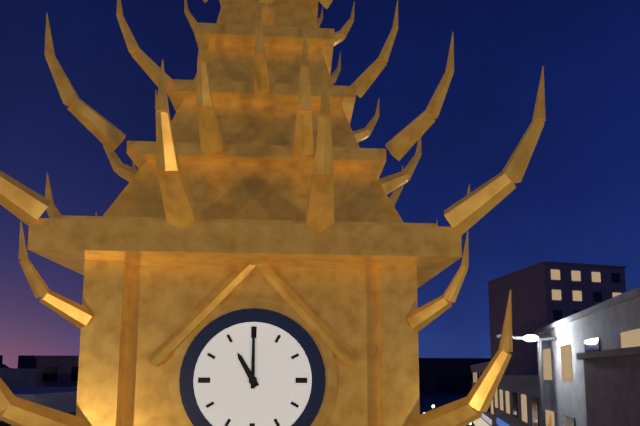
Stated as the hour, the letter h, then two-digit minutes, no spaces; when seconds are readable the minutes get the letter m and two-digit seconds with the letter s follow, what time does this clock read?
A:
11h00
